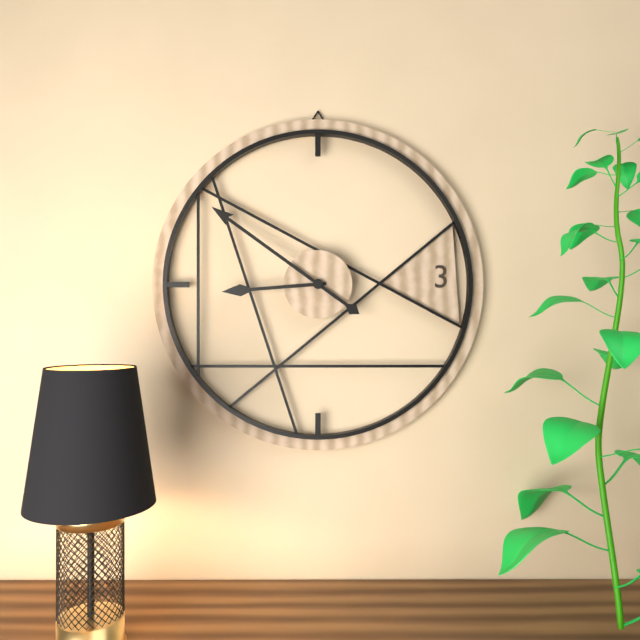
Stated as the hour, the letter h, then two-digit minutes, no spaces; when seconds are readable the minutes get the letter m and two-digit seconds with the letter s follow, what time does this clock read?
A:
8h51
